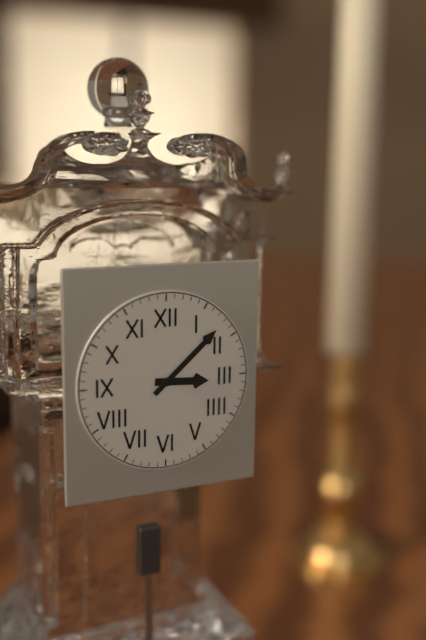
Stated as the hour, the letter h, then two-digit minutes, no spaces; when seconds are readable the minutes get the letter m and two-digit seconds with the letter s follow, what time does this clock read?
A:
3h08
